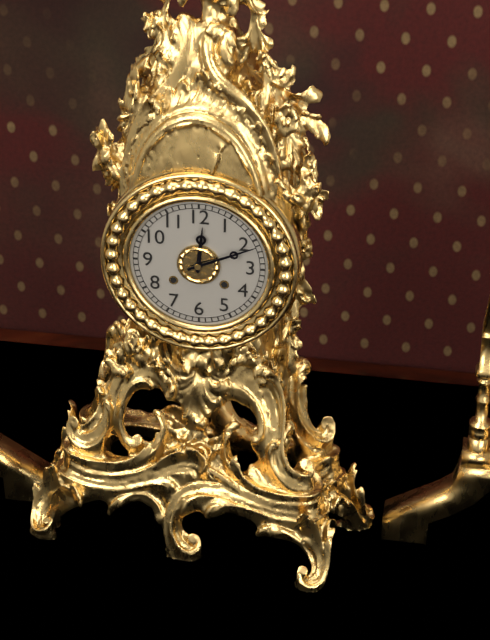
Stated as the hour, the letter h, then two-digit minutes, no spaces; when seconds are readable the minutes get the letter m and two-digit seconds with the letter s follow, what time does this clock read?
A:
12h11
